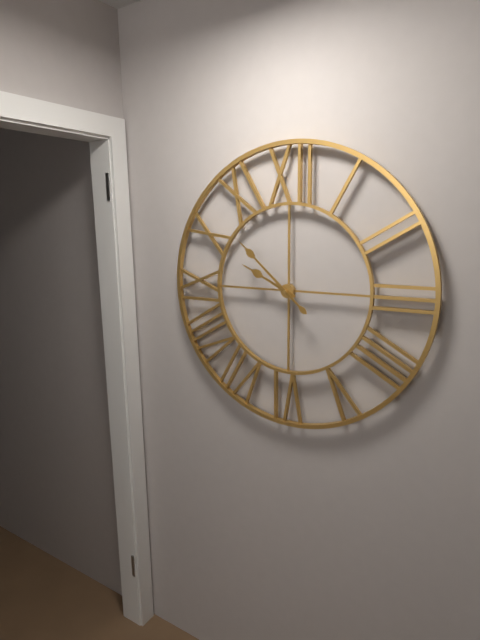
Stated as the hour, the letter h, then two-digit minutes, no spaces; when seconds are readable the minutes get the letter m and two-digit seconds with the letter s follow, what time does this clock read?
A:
9h52
